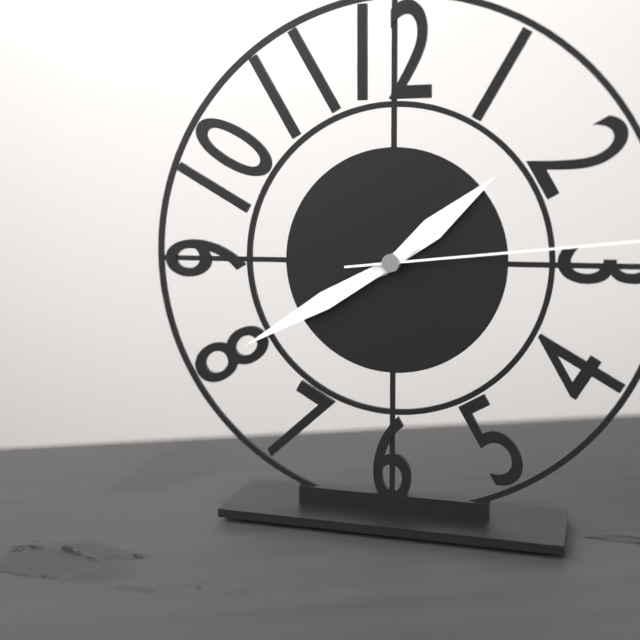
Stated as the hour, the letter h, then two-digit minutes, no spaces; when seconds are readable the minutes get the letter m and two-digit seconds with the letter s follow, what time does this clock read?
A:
1h40
